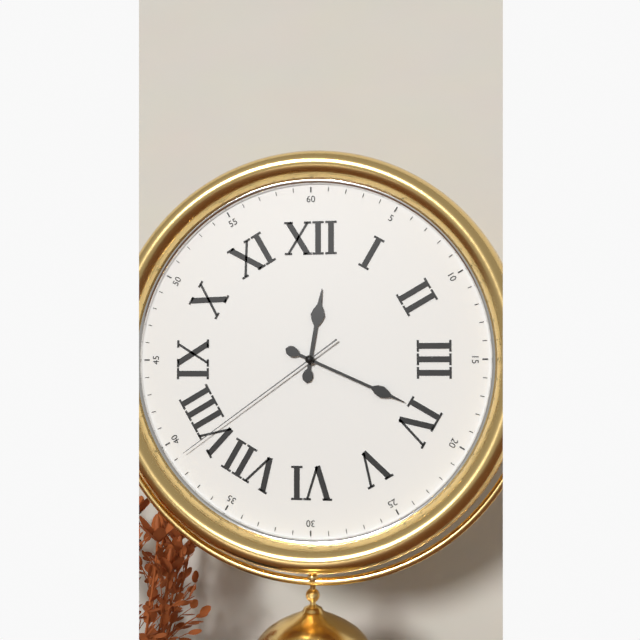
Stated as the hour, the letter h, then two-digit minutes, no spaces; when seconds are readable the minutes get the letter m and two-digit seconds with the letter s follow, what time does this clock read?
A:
12h19m39s
